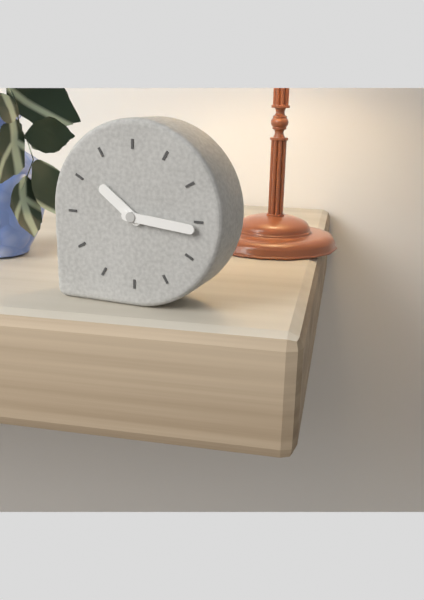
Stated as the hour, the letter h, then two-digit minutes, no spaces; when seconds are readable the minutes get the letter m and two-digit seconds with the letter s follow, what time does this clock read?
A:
10h16
